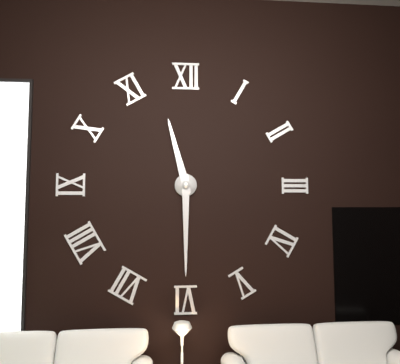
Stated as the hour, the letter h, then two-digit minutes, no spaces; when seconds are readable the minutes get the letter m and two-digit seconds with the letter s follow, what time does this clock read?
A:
11h30
